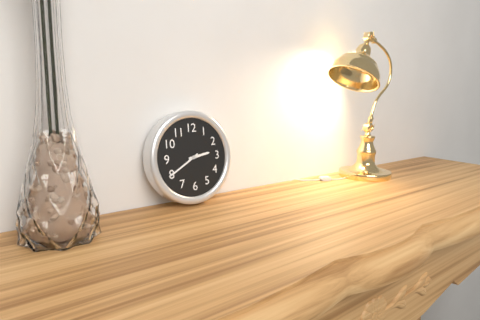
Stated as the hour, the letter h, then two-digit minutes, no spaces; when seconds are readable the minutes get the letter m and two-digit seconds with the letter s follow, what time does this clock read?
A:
2h40
